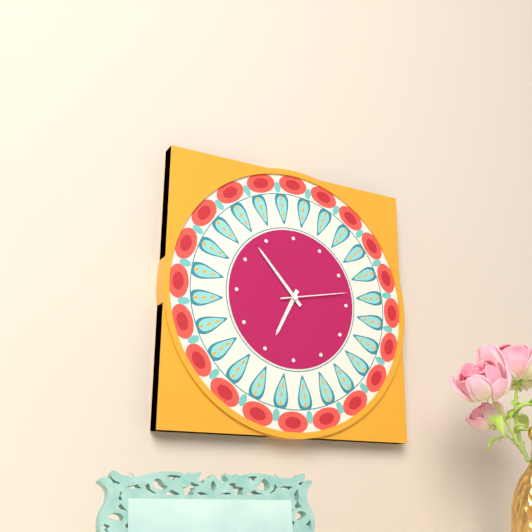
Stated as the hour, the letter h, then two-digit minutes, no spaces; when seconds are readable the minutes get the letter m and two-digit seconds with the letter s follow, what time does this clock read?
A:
6h53m13s
